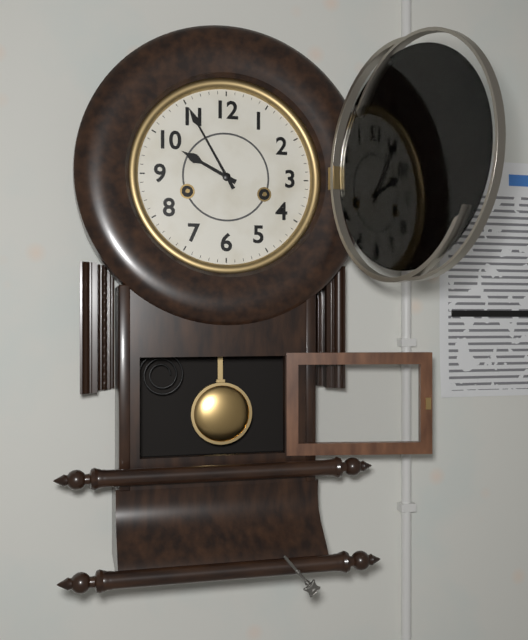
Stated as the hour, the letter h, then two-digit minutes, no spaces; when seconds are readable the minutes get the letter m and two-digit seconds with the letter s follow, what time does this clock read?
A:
9h55
